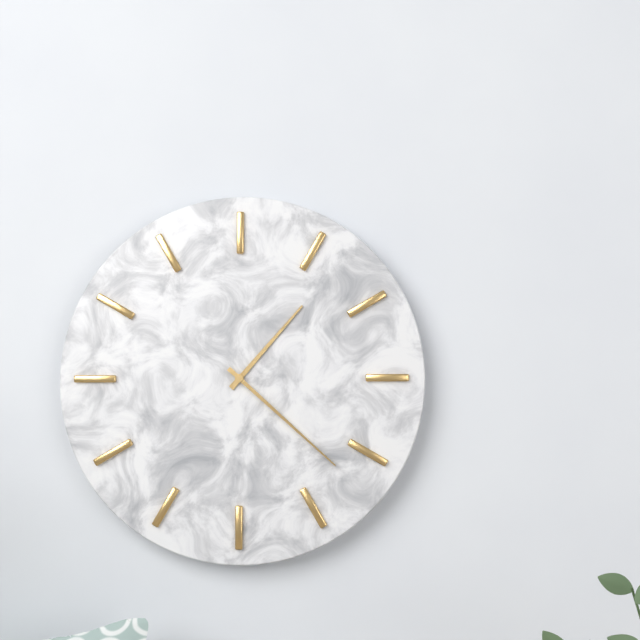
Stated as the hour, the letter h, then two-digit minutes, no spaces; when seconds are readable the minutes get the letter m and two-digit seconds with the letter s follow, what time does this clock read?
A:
1h22
